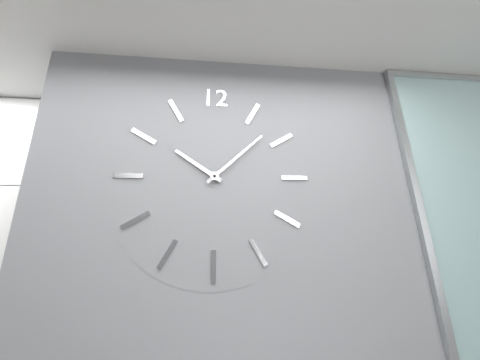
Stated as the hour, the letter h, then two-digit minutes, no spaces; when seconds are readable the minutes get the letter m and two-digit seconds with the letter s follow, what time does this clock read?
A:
10h08
